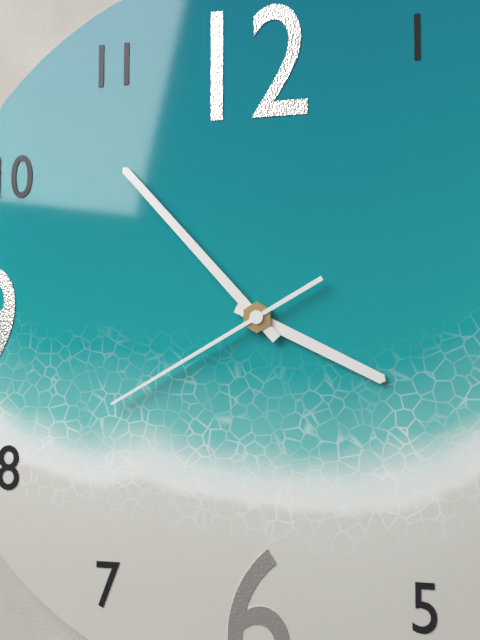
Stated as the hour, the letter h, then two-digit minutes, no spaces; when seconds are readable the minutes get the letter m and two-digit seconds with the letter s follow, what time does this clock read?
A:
3h53m40s
